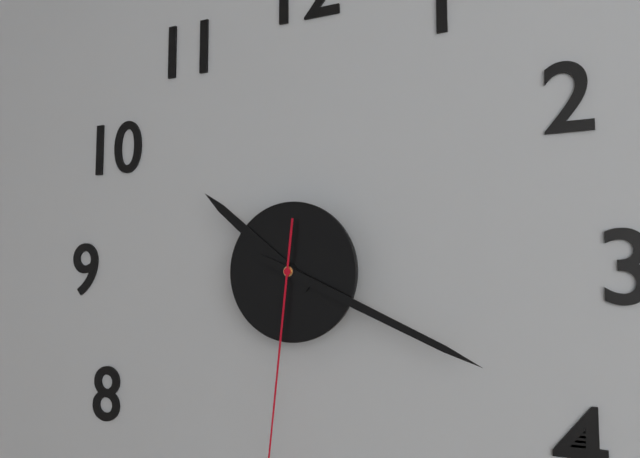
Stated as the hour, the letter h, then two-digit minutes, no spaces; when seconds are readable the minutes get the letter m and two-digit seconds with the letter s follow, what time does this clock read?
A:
10h19
